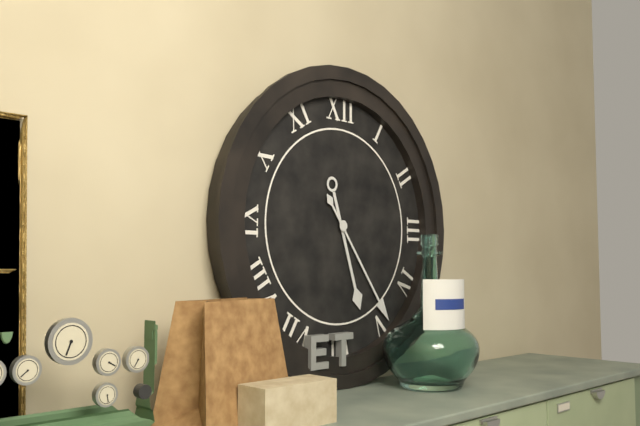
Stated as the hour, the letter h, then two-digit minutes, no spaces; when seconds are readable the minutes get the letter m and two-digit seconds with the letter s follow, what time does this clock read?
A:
5h24
